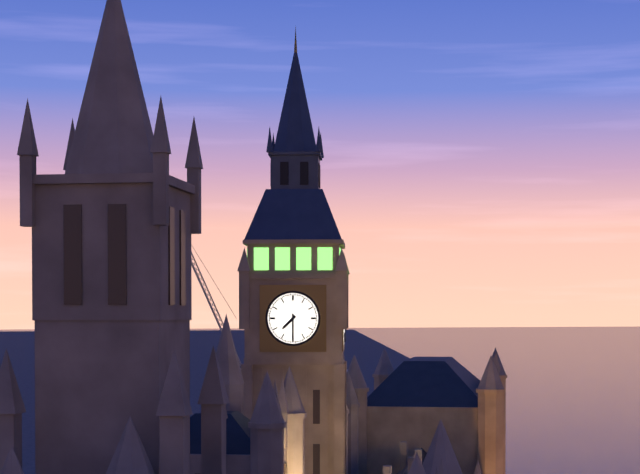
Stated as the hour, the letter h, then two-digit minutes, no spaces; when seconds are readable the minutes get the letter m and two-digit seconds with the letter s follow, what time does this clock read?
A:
7h30
